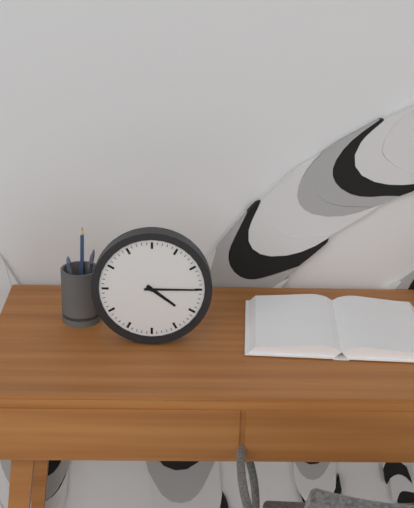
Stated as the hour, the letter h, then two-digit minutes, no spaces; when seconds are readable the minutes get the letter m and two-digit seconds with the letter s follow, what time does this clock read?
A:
4h15
